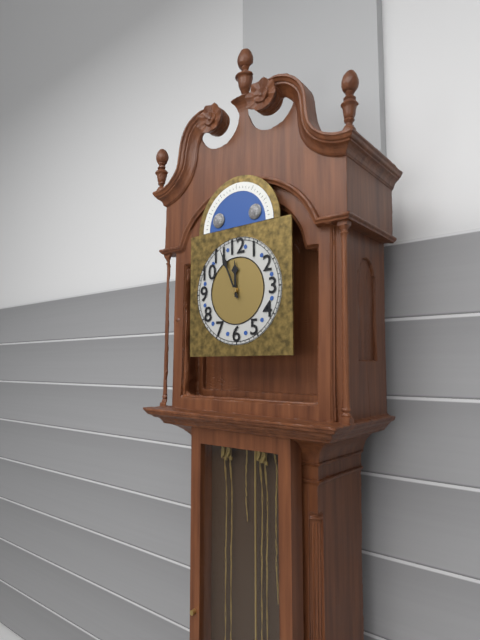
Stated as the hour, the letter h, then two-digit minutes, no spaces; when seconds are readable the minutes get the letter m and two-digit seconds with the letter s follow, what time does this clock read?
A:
11h56
